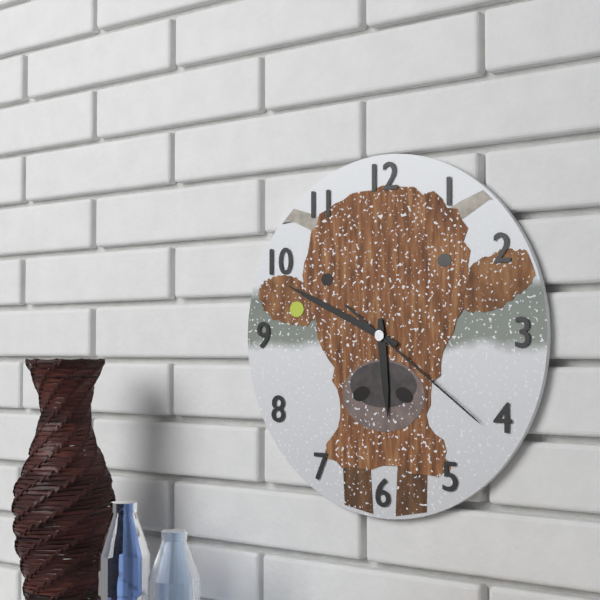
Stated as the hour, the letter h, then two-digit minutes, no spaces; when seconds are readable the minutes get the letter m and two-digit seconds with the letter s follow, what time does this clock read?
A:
5h49m21s
